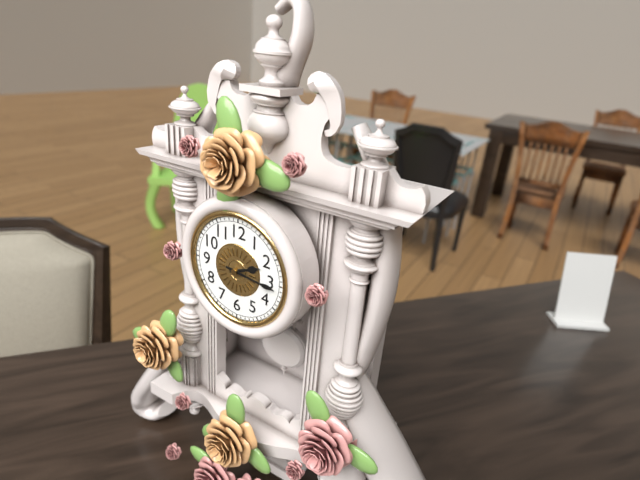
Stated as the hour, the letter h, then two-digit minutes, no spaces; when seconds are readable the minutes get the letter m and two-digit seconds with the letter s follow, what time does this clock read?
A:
2h16
